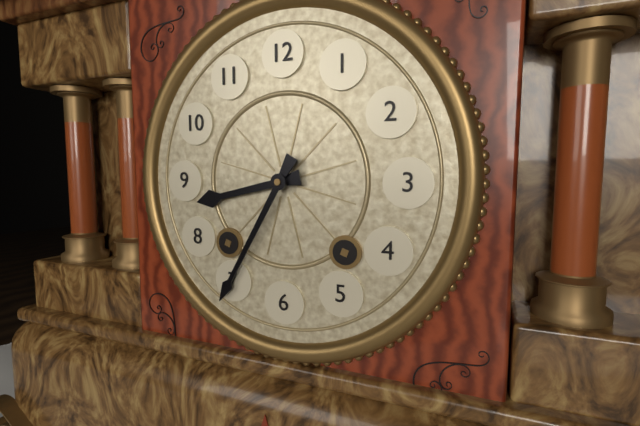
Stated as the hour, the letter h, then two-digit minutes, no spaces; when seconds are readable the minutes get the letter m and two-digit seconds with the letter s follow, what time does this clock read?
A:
8h35
